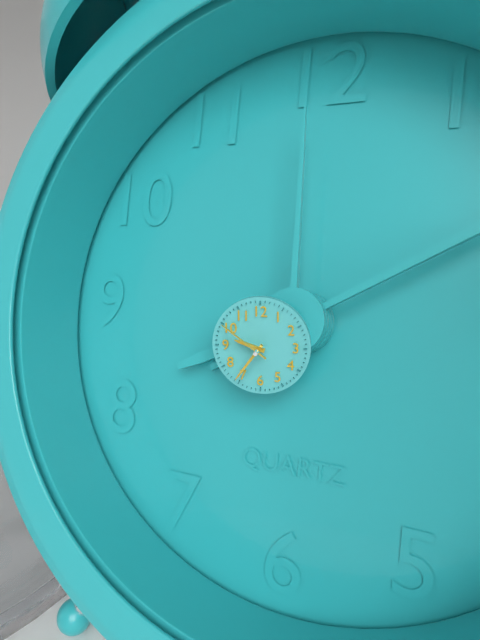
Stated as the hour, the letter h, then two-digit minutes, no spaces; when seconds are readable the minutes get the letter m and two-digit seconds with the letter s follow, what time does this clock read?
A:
9h36m51s
